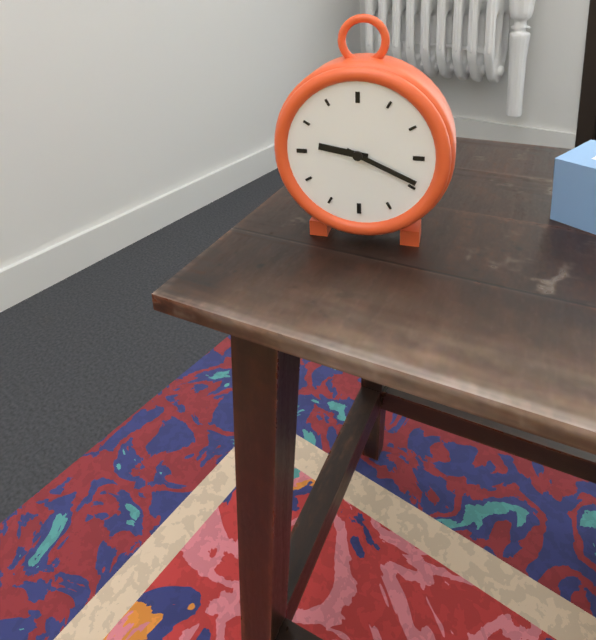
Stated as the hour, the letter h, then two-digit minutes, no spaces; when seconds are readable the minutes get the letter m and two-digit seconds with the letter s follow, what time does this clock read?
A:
9h19
